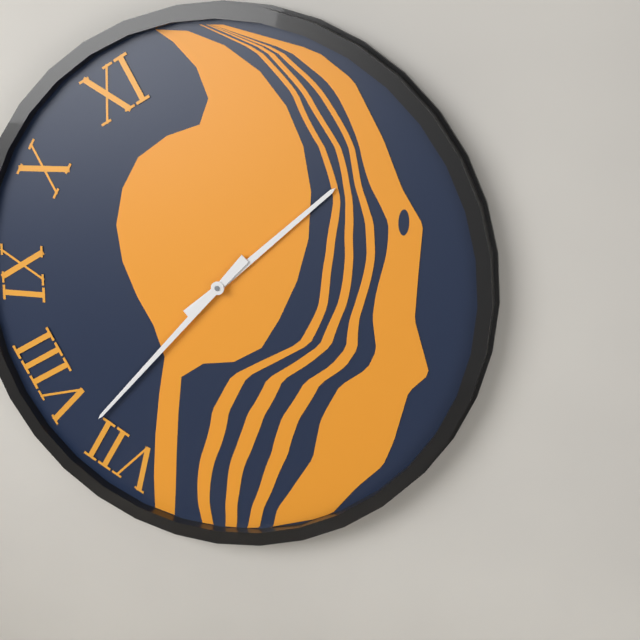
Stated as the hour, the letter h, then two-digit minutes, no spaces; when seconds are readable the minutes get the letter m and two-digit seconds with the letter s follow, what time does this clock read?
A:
1h37
